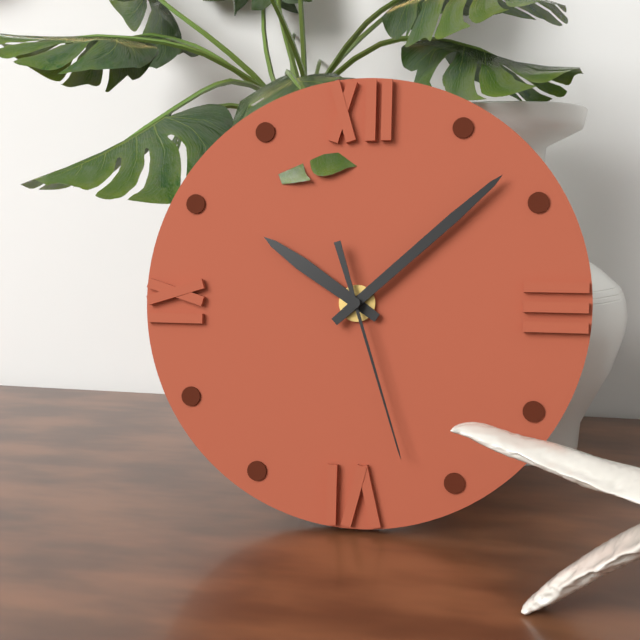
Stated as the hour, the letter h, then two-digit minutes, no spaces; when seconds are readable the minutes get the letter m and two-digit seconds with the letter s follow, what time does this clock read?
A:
10h08m27s
